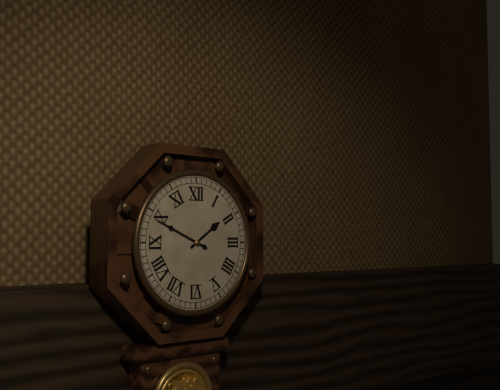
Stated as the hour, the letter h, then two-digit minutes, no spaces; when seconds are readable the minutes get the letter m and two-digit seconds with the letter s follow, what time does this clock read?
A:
1h49
